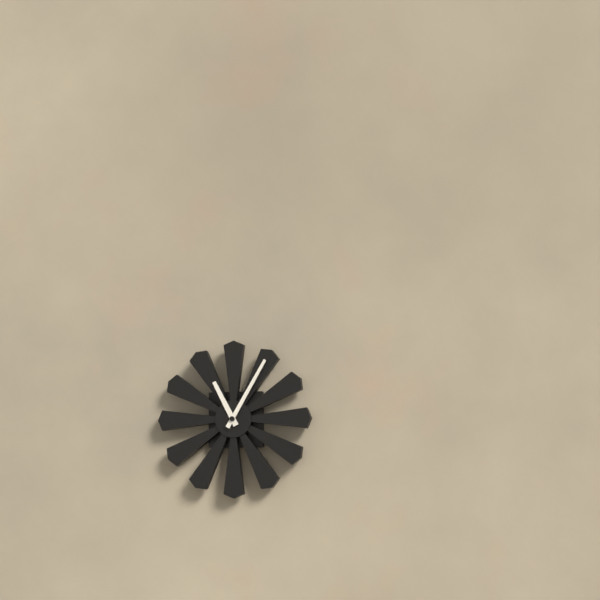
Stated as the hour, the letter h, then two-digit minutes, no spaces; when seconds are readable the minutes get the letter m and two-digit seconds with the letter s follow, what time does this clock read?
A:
11h05
